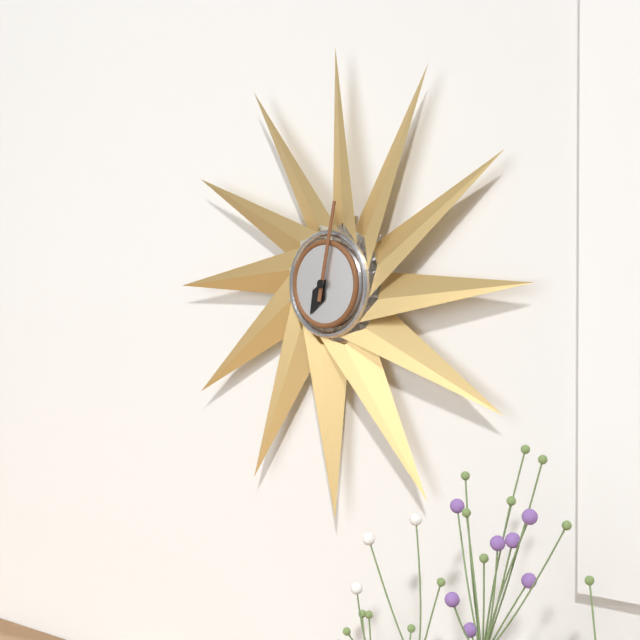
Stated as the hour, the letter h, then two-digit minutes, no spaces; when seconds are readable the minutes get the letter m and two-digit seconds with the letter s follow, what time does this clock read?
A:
7h02
